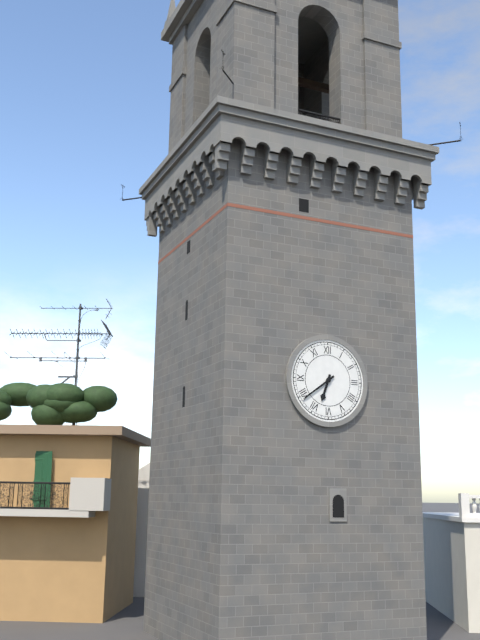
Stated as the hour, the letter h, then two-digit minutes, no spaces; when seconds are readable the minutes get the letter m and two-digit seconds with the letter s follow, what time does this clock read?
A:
6h39
